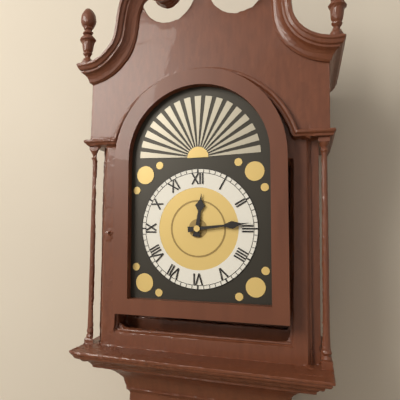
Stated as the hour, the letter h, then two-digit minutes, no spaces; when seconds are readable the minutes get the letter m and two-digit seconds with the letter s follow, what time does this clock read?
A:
12h14
